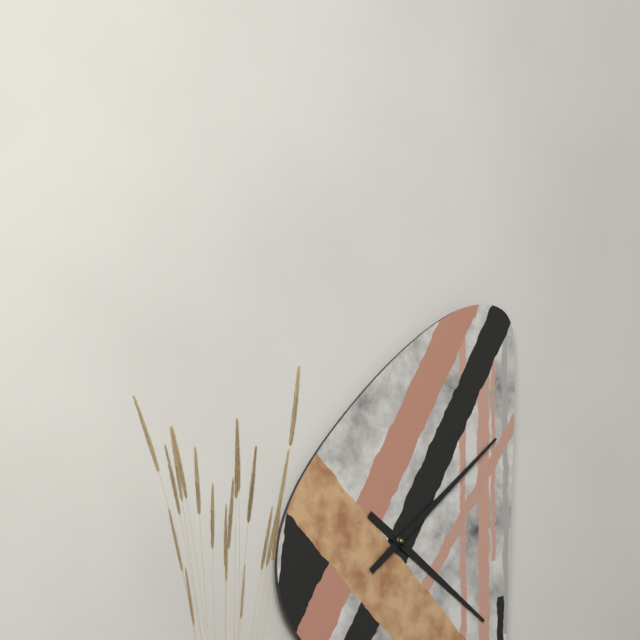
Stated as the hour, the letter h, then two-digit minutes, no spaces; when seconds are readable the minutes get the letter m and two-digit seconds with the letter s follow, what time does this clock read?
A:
4h08
